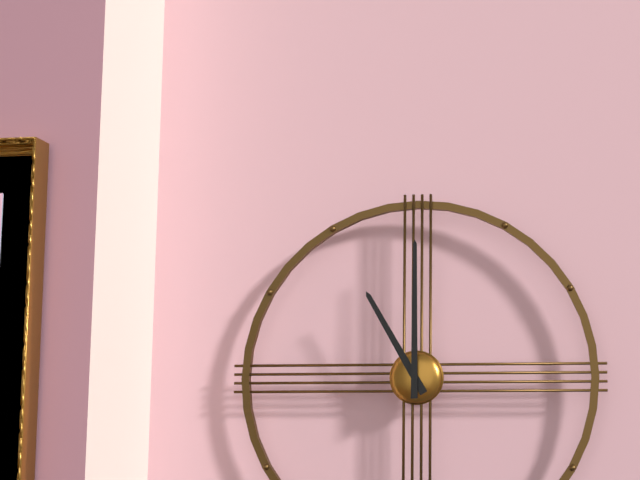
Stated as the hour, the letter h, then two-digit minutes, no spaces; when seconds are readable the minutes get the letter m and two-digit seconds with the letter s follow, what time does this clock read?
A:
11h00
